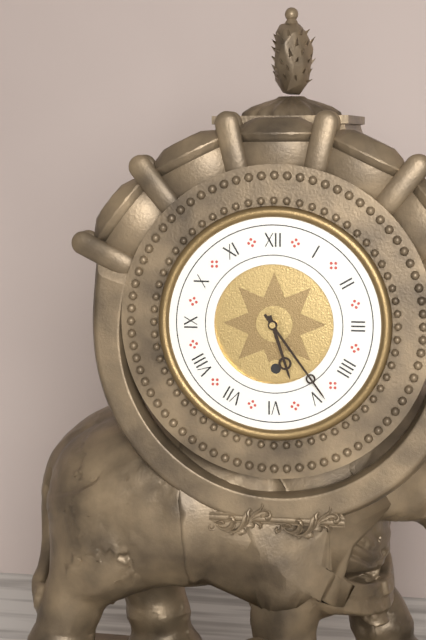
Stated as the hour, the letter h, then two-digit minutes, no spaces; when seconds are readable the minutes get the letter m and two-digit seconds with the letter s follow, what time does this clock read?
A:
5h24
